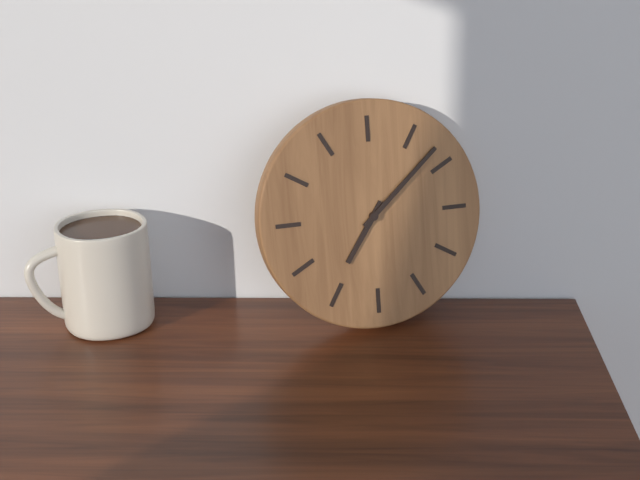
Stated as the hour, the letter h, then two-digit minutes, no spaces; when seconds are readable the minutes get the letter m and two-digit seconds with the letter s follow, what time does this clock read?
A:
7h08
